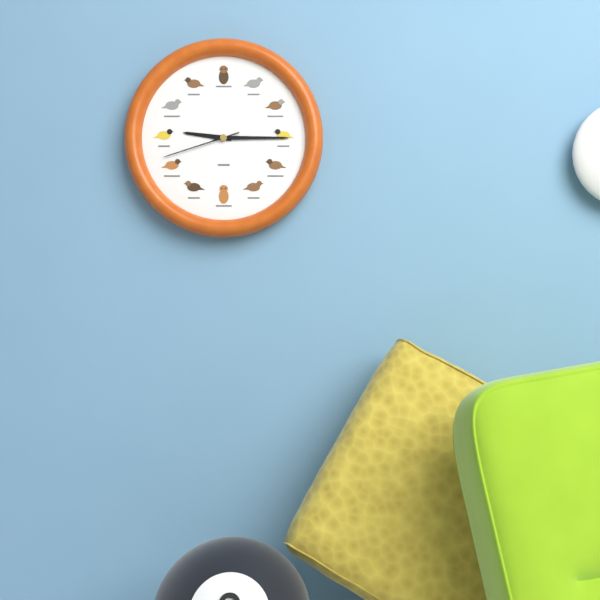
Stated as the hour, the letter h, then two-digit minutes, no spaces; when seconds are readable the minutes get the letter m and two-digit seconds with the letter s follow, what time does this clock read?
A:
9h15m42s
